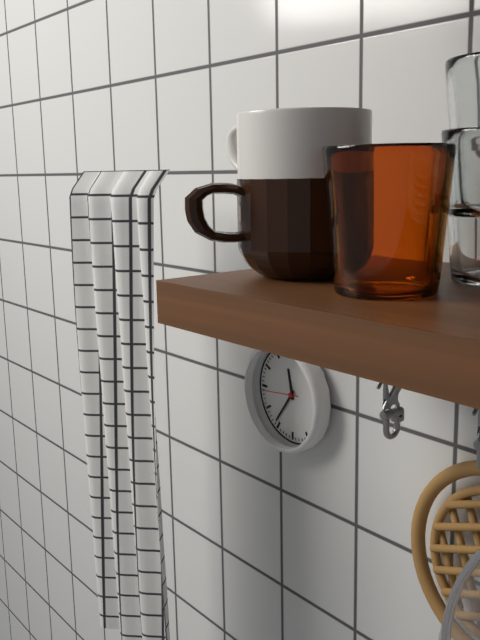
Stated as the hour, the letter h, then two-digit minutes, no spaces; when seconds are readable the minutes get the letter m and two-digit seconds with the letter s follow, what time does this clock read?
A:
11h36
